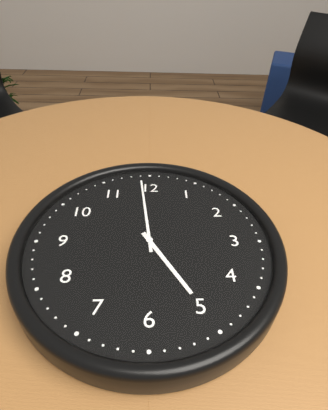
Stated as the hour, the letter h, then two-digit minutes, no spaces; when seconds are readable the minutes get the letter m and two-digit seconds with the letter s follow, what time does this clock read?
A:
4h59
